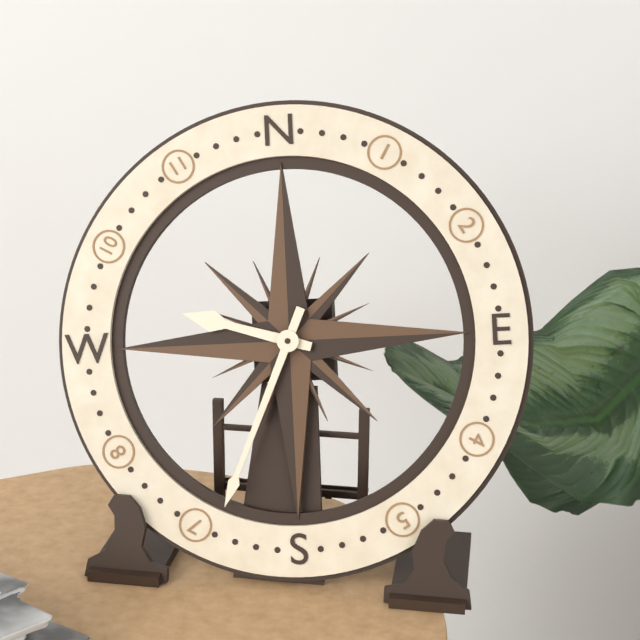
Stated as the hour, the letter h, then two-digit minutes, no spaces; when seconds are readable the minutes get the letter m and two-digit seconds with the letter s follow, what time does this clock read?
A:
9h34
